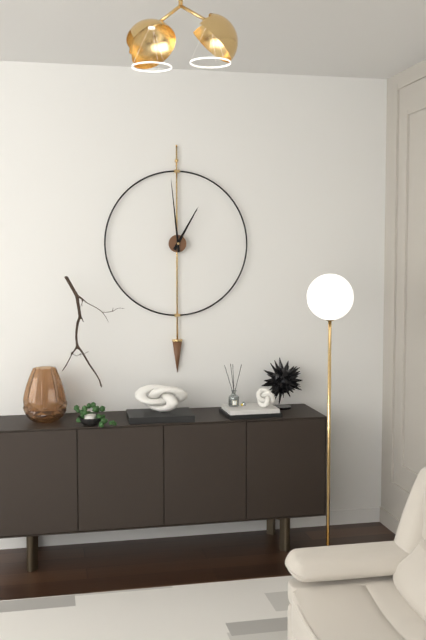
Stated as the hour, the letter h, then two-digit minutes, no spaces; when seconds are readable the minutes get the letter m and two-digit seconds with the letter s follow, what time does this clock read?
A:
12h59
